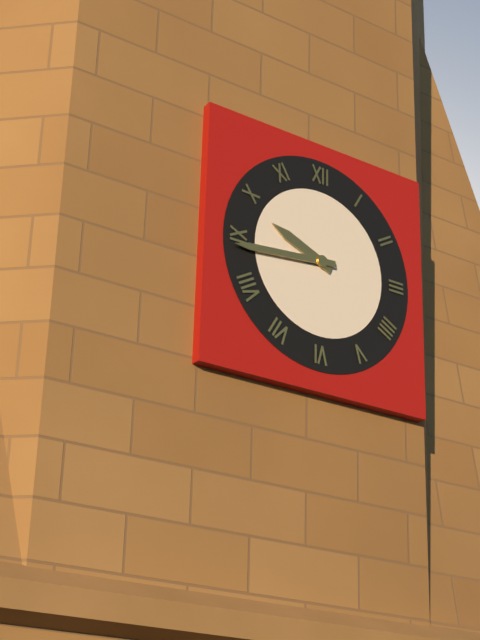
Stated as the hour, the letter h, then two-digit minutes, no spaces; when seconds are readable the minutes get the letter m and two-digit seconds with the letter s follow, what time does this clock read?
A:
9h44
